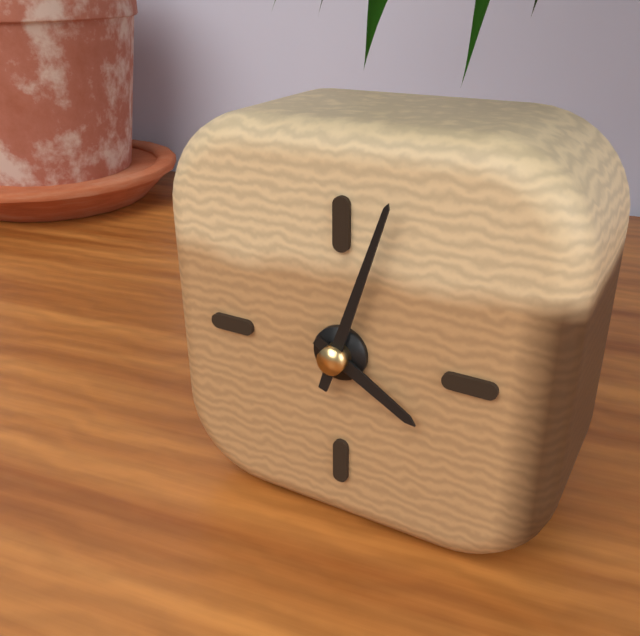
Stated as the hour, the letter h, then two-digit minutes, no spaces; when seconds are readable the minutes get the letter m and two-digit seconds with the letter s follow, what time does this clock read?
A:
4h03
